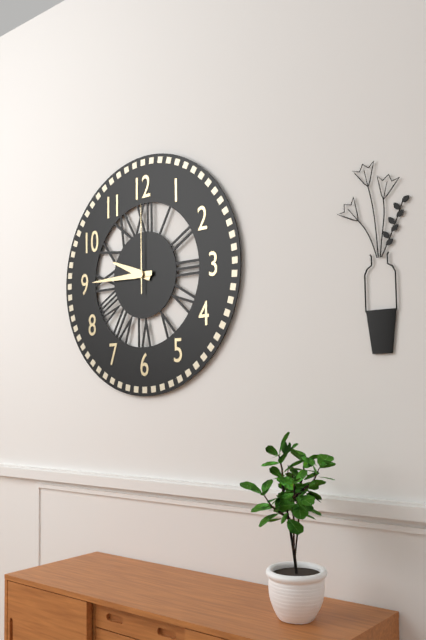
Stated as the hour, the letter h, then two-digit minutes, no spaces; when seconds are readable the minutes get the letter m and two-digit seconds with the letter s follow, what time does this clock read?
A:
9h45m00s
